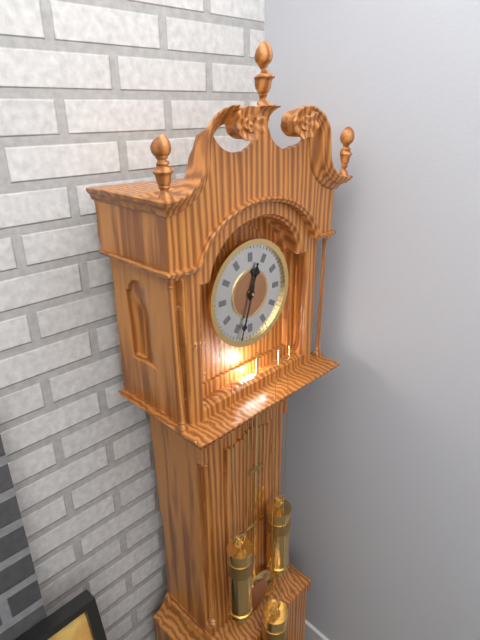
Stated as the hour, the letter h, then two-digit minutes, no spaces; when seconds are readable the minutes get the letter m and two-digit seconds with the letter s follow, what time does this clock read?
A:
12h33
